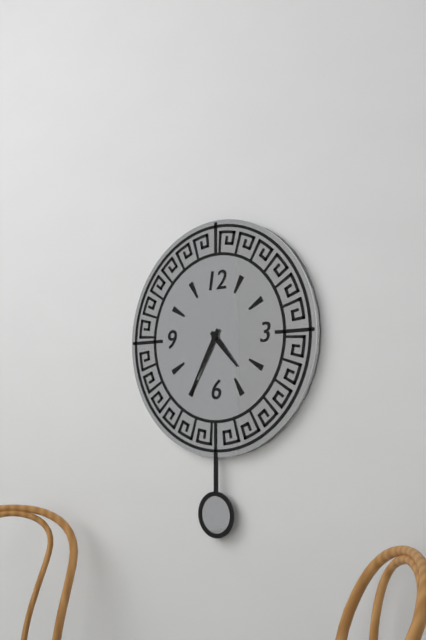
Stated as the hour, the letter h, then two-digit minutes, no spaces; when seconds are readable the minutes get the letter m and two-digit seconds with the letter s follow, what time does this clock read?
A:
4h35
